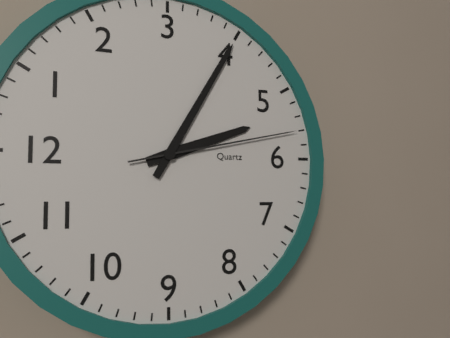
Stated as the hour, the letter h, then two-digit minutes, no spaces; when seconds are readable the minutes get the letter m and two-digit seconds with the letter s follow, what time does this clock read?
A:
5h20m28s
